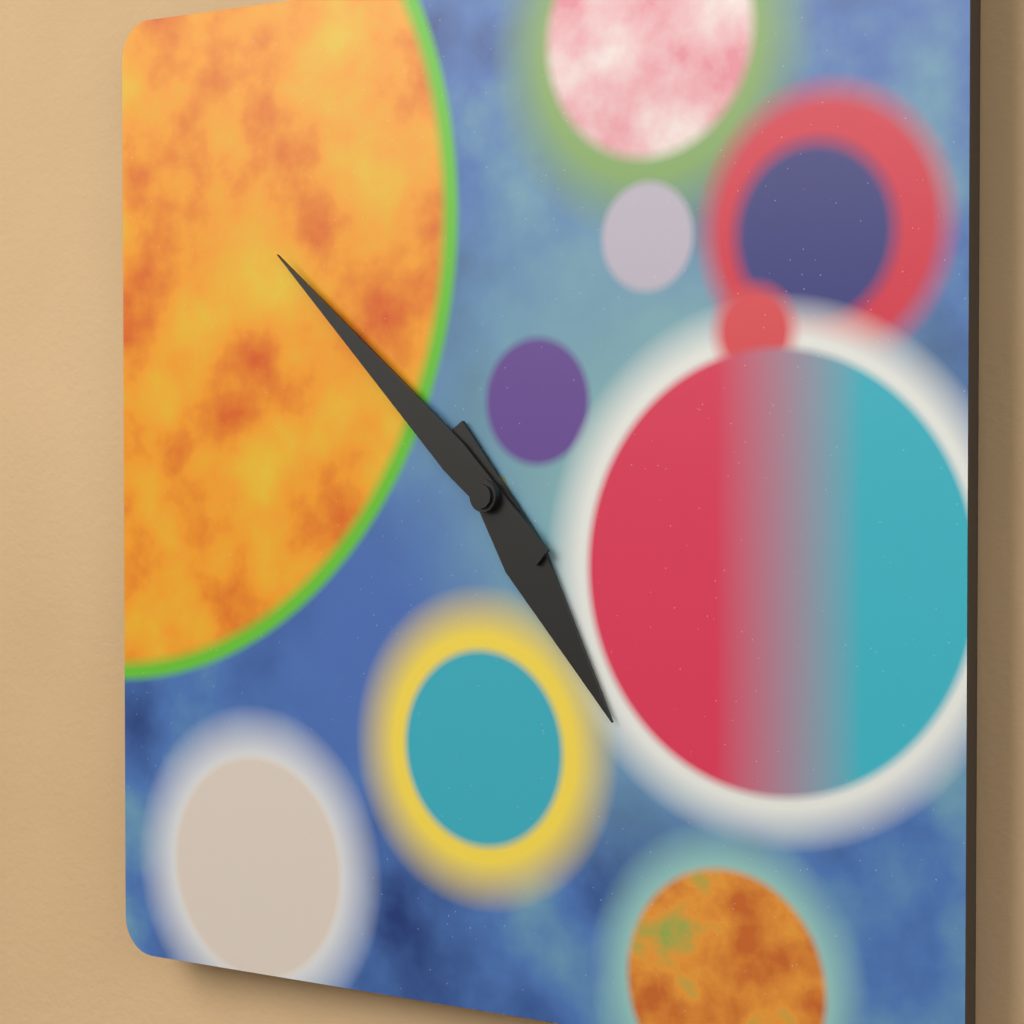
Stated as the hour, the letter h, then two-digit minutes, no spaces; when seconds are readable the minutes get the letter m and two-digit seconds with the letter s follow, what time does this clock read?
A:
4h52
